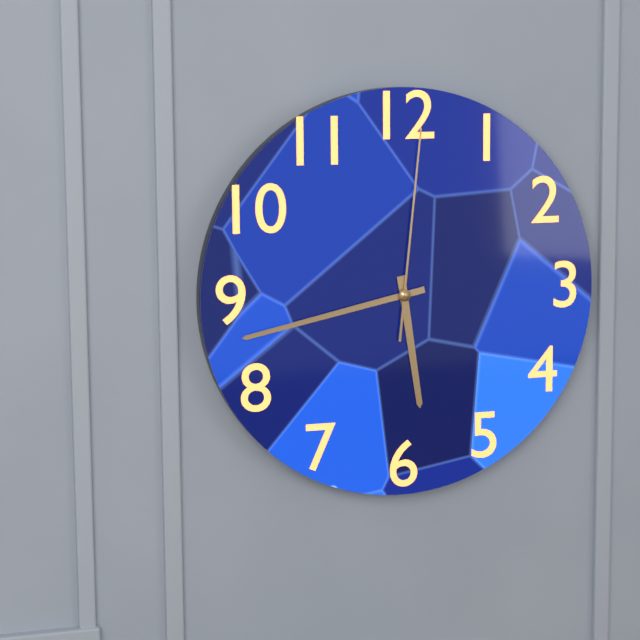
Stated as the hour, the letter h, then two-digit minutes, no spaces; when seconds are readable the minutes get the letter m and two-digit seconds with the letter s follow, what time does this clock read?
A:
5h43m01s
